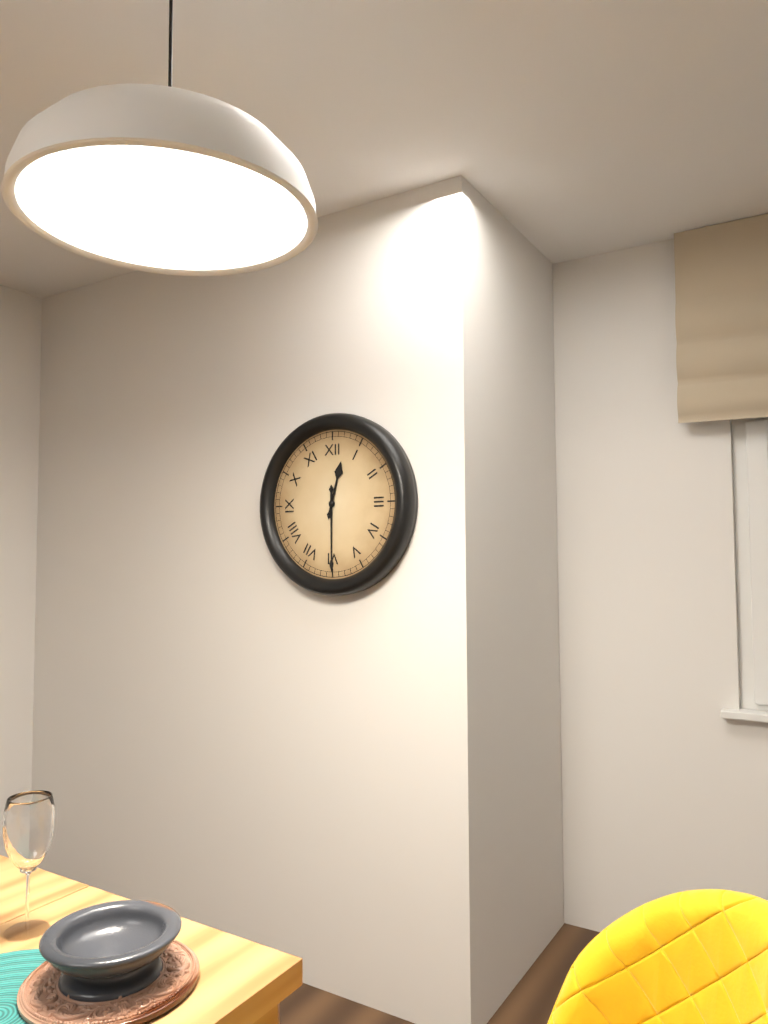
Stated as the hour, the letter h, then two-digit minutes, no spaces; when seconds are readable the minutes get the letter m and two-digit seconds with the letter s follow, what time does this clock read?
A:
12h30
